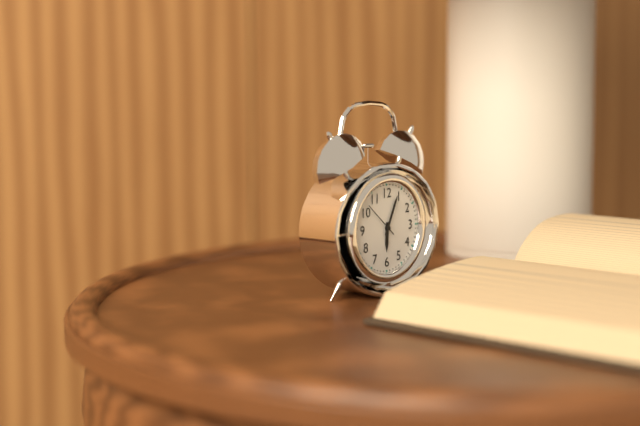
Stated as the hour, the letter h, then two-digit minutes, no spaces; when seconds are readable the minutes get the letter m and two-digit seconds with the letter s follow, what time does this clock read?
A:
6h04
